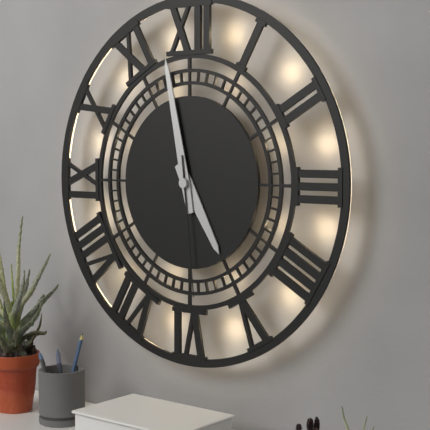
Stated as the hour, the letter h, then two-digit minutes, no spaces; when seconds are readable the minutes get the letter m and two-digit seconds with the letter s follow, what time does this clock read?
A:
4h58m29s
